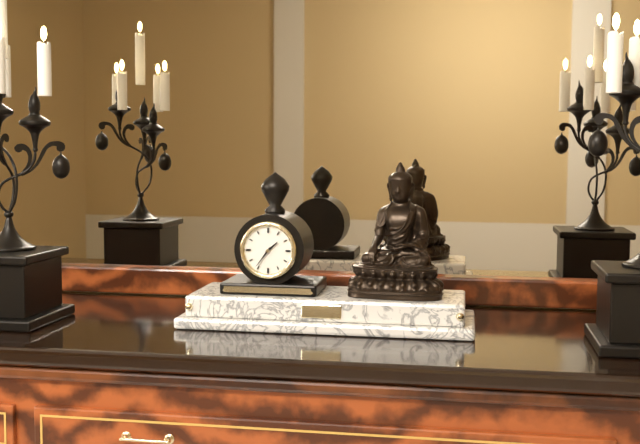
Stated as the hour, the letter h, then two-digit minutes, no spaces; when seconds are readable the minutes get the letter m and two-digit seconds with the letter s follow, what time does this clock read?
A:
1h36
